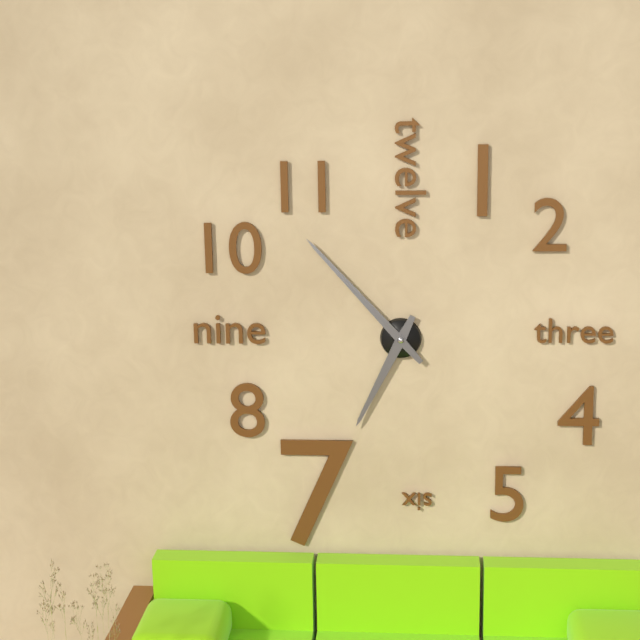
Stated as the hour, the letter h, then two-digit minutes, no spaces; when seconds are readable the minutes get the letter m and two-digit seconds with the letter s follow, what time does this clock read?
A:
6h53
